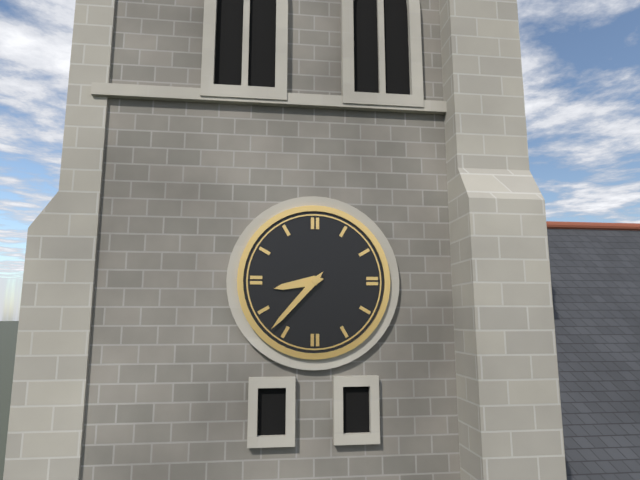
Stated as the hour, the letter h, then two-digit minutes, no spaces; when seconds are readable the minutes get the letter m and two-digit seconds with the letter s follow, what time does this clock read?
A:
8h37
